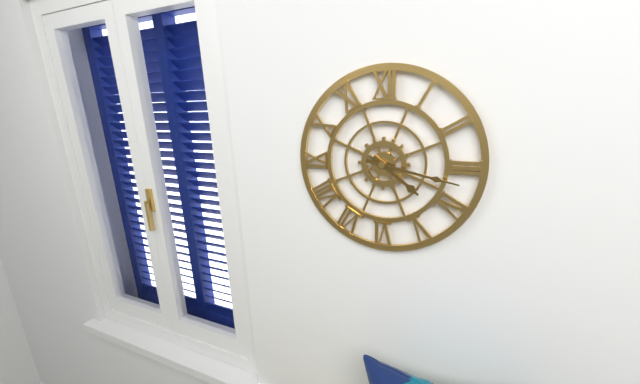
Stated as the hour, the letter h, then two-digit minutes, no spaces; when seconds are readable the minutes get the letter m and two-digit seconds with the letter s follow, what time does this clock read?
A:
4h17
